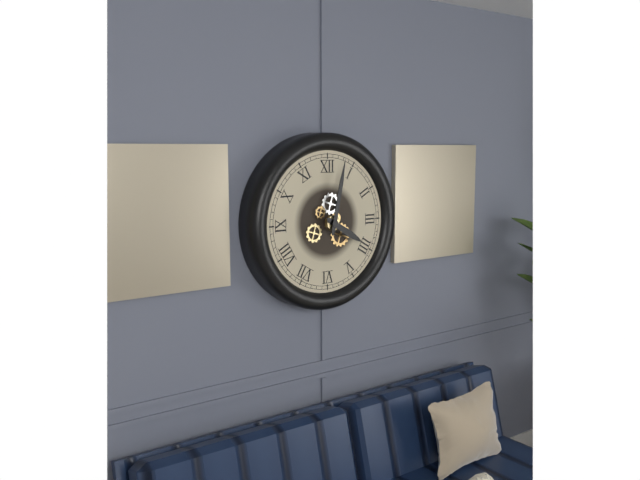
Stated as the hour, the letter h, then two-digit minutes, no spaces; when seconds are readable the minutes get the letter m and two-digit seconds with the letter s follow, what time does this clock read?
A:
4h02
